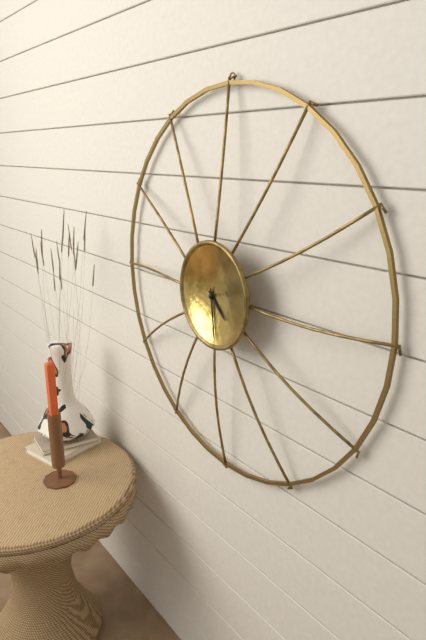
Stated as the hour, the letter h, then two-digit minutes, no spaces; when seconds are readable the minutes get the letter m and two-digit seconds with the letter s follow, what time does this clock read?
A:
4h29
